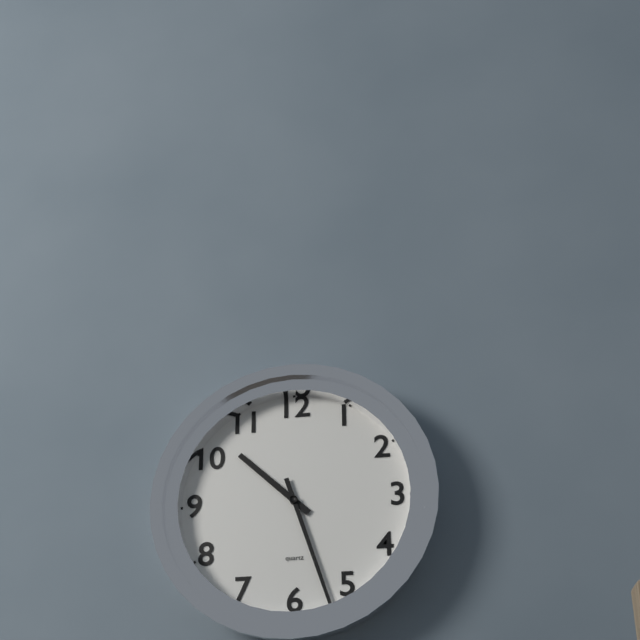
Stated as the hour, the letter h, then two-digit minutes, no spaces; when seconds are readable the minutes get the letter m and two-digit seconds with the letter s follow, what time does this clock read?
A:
10h27
